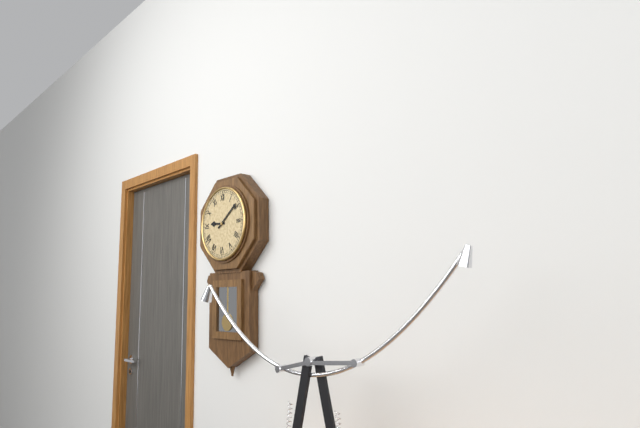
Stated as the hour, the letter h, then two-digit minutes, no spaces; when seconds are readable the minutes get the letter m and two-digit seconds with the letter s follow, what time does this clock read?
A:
9h09
